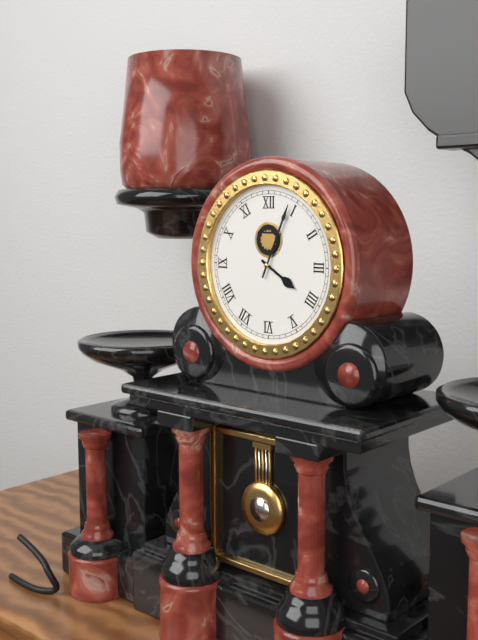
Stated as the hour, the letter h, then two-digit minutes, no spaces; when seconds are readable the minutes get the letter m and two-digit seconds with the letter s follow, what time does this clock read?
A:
4h04
